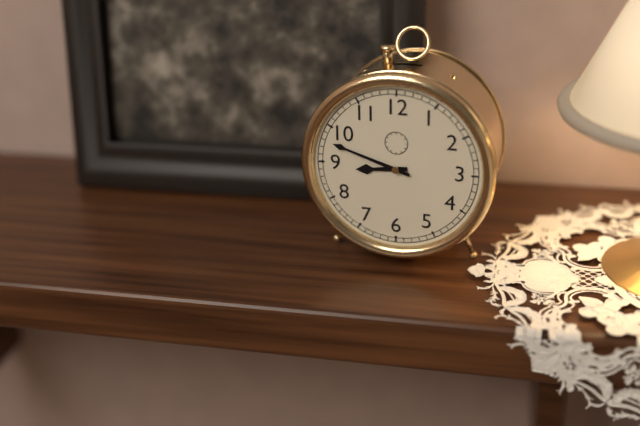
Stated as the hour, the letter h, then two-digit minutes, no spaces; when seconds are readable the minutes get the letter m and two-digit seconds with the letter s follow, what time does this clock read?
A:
8h48
